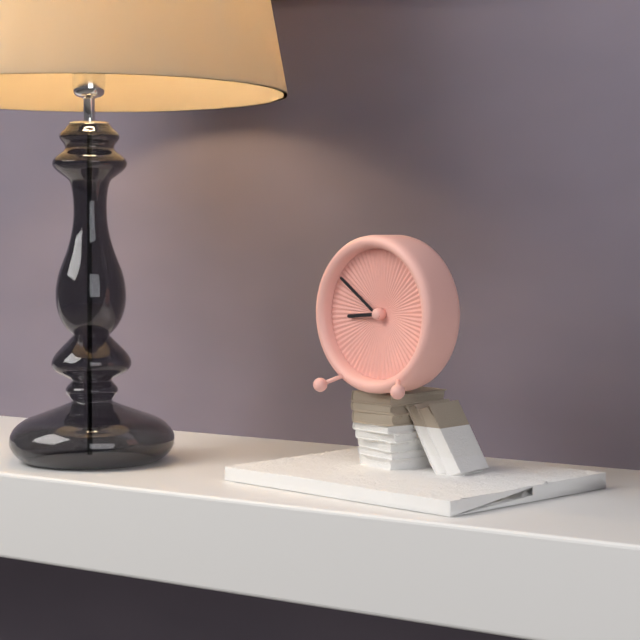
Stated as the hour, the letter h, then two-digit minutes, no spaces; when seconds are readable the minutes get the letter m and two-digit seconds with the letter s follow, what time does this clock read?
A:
8h51
